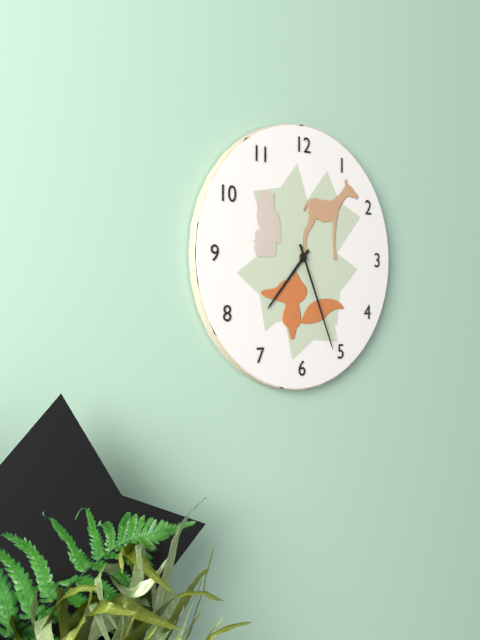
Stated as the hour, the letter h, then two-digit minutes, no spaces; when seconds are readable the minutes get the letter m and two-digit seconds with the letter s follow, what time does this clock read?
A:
7h26
